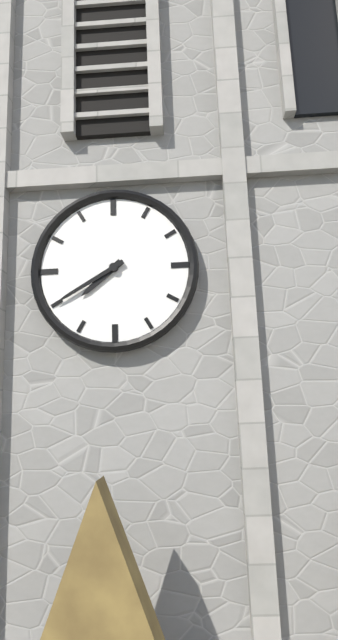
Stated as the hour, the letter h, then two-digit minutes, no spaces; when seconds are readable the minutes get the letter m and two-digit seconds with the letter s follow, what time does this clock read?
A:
7h40
